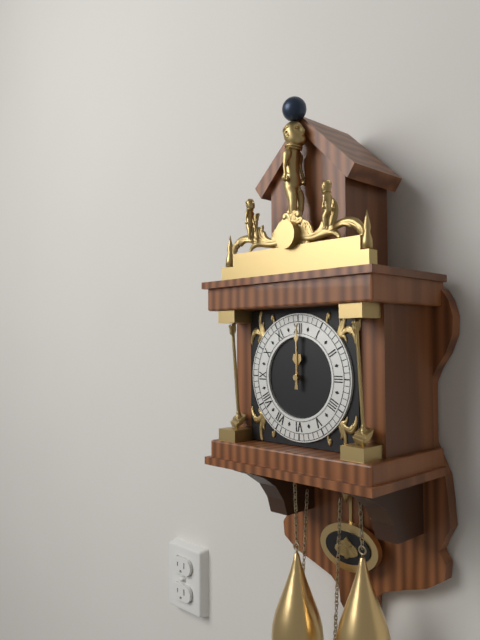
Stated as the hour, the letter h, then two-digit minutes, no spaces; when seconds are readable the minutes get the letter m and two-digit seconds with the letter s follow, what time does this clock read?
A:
12h00
